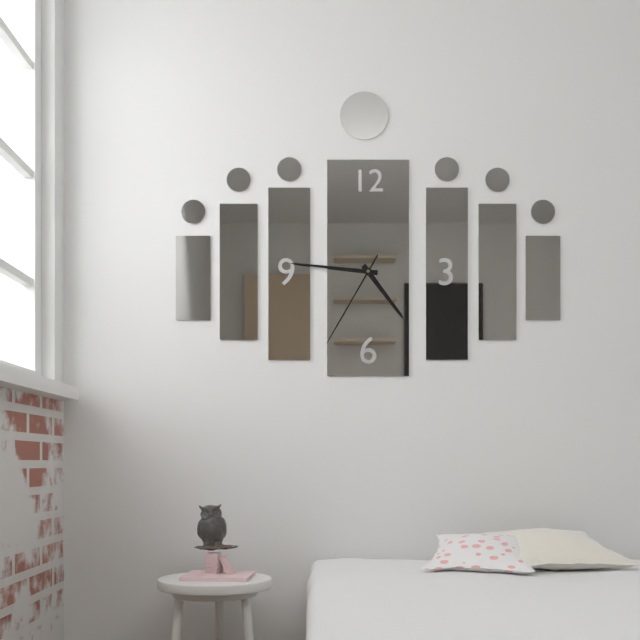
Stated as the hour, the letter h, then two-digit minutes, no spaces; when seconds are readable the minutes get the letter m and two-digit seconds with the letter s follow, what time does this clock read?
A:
4h46m35s
